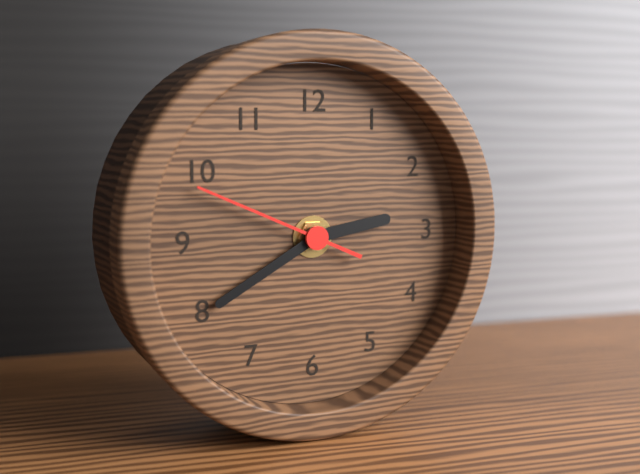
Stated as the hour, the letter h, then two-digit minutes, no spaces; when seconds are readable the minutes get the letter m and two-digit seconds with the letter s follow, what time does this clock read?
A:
2h40m49s
